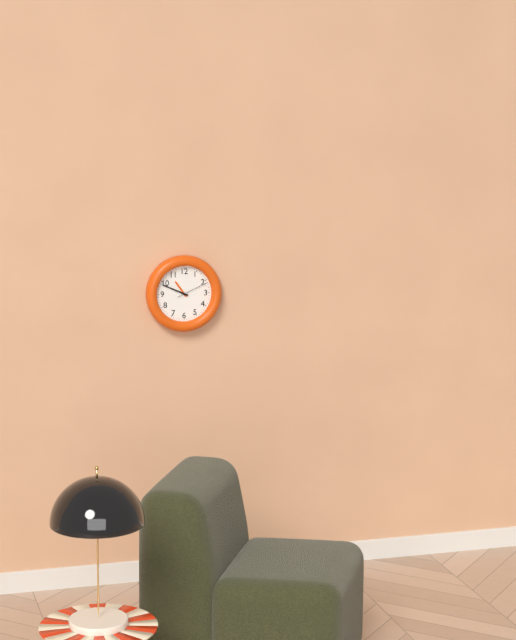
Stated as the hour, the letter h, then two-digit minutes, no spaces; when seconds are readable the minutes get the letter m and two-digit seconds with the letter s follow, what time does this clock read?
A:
10h49
